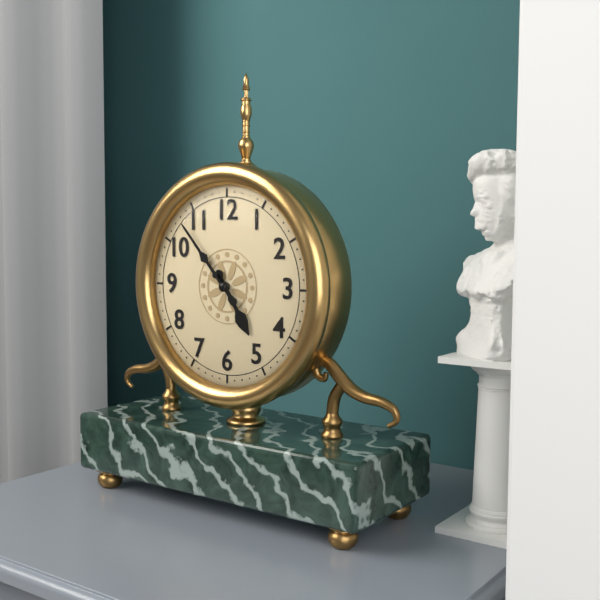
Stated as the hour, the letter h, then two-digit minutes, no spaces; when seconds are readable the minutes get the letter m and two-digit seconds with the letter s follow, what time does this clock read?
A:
4h53
